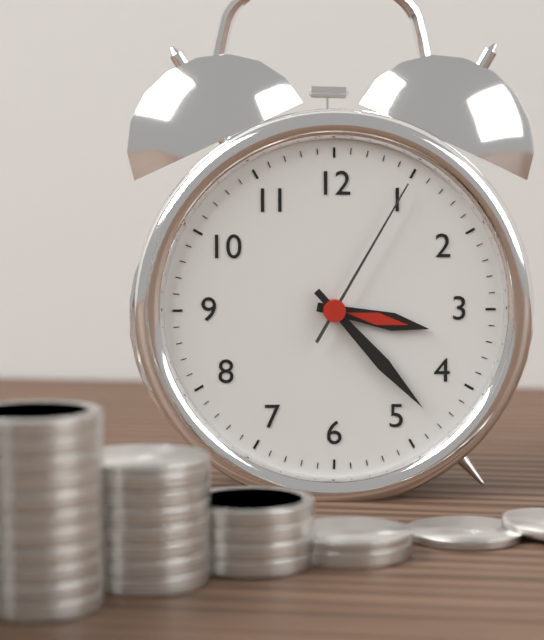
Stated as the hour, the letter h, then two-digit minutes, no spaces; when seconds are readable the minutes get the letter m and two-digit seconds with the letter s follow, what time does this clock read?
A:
3h23m05s
